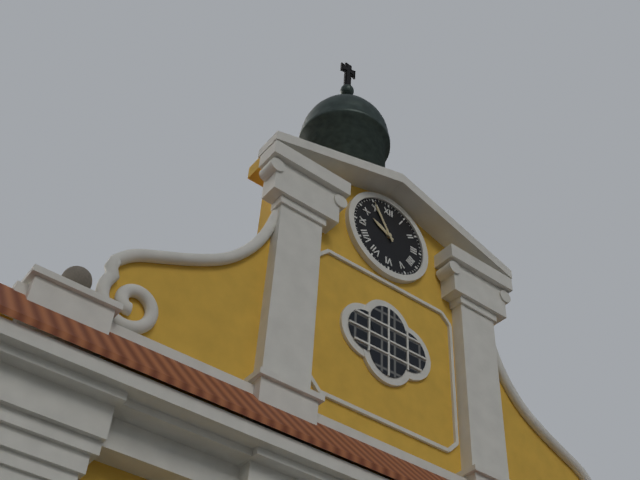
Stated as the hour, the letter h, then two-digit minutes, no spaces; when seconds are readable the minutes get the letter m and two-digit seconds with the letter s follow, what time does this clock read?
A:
9h55
